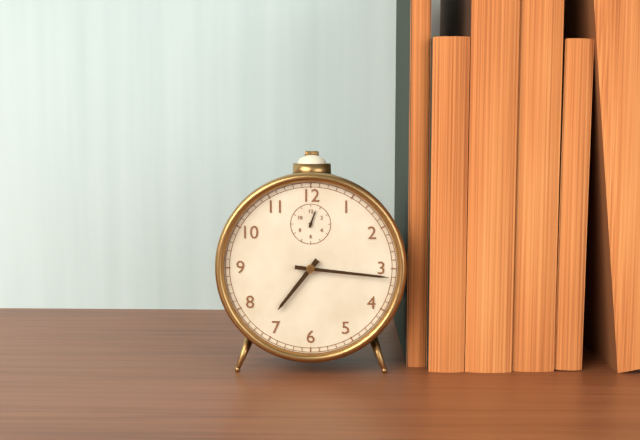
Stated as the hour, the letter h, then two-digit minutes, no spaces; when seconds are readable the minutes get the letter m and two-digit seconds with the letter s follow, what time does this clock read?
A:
7h16
